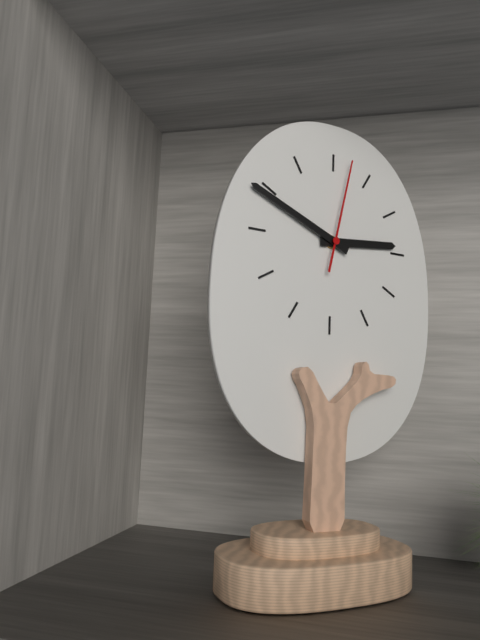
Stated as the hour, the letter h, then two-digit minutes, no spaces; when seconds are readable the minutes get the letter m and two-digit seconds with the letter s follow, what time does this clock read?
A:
2h49m02s
